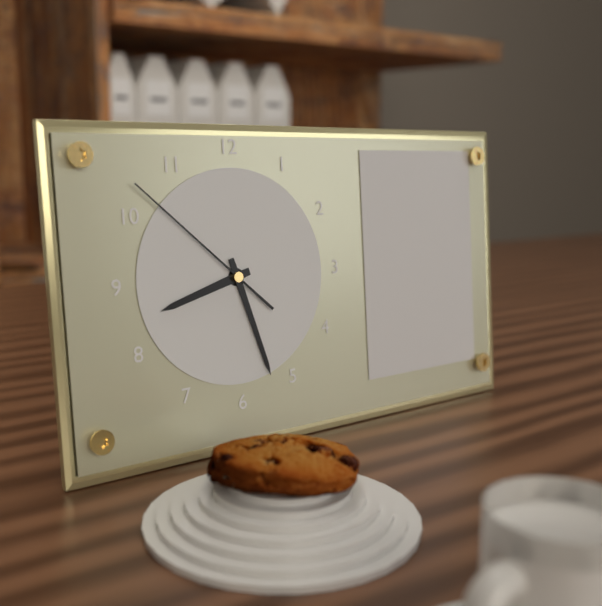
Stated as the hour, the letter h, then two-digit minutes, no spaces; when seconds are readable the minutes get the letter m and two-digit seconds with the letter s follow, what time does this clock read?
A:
8h27m52s
